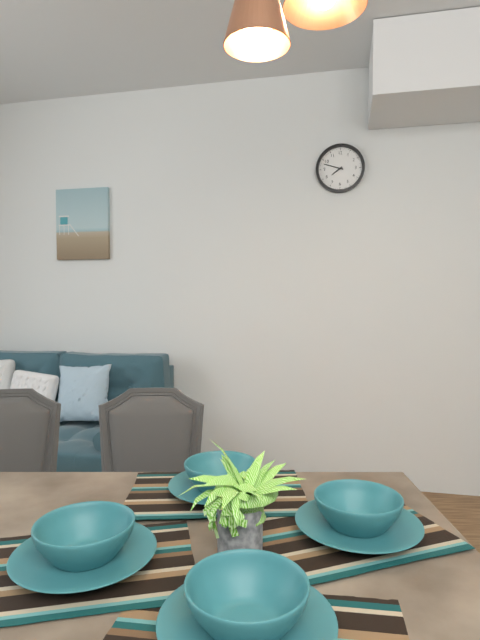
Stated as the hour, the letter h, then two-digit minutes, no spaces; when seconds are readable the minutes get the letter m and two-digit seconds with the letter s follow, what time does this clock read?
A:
7h48
